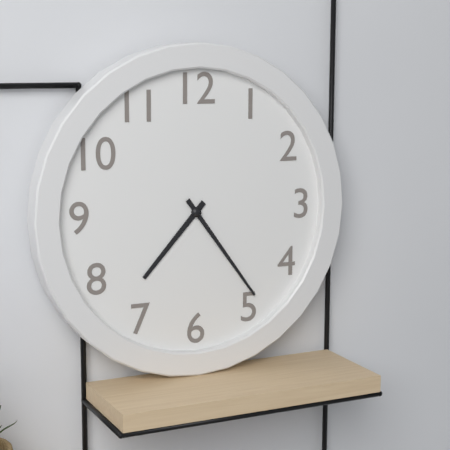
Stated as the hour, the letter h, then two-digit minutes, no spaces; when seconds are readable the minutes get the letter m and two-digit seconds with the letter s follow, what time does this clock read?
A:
7h24
